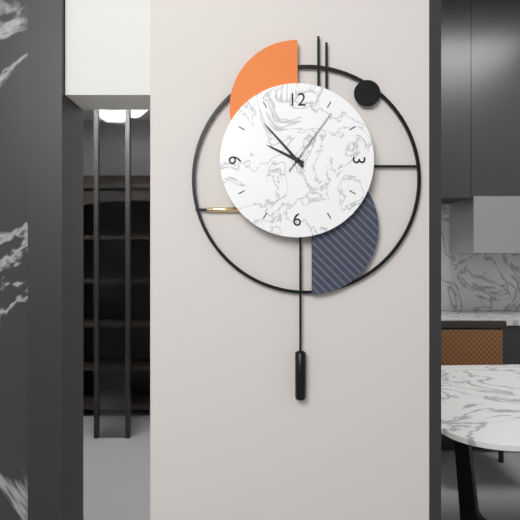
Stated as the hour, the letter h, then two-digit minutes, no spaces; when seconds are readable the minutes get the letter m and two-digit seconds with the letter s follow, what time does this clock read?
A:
9h53m06s
